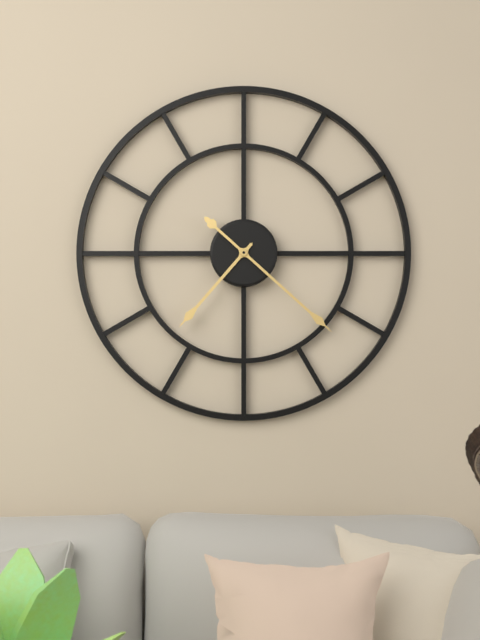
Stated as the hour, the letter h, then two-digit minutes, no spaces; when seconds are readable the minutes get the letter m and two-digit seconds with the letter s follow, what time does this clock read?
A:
7h22
